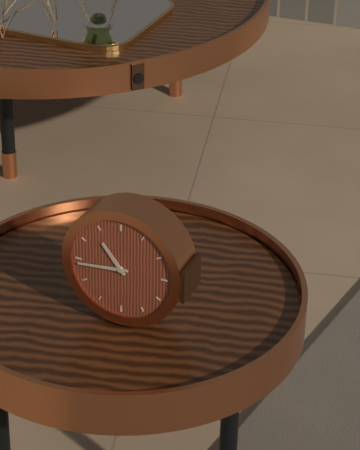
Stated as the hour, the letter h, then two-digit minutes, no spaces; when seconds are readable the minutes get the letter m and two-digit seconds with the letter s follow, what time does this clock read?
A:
10h44
